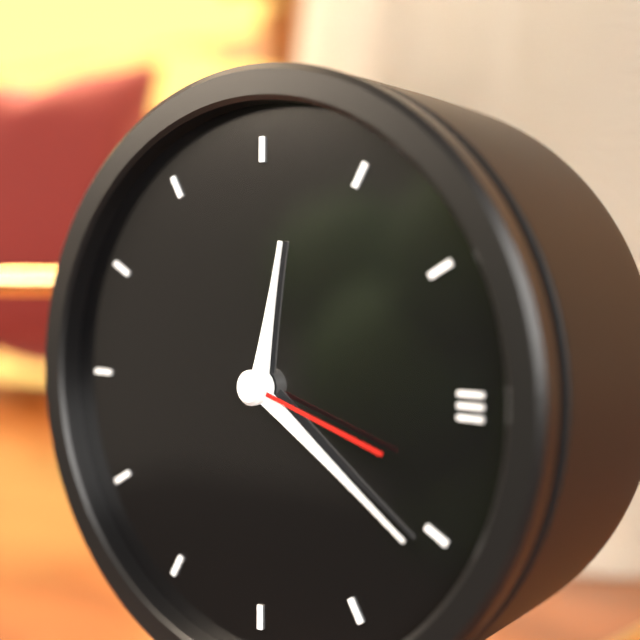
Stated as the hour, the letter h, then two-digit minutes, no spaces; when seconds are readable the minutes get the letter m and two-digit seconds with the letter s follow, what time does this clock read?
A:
12h21m18s
